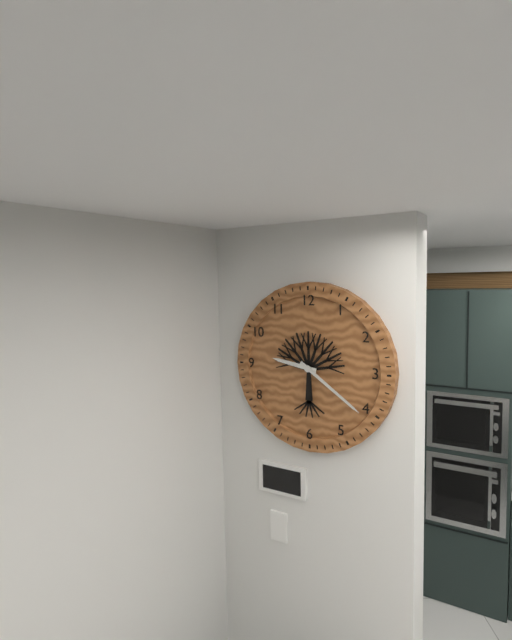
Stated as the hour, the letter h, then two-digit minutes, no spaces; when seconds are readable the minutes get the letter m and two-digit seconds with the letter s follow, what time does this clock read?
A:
9h21
